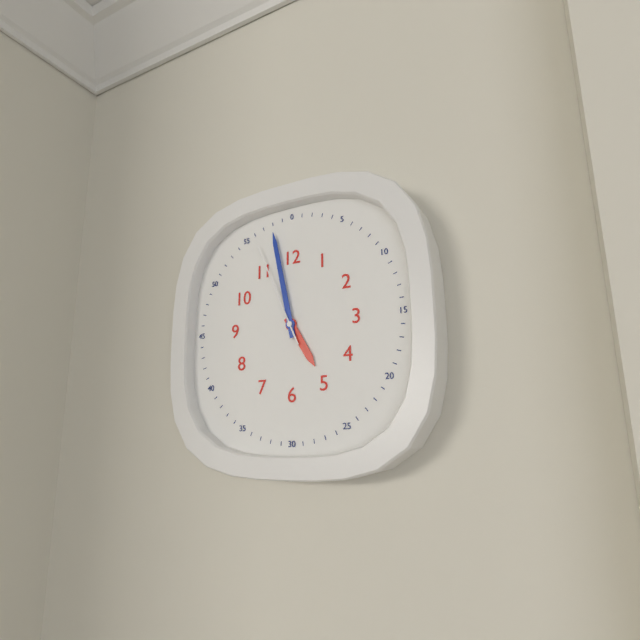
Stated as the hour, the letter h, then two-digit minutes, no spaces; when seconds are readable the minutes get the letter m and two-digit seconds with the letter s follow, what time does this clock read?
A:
4h58m56s
